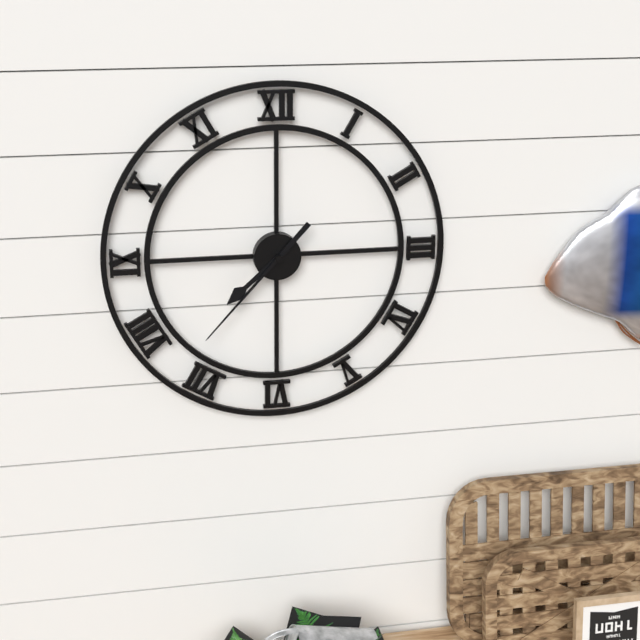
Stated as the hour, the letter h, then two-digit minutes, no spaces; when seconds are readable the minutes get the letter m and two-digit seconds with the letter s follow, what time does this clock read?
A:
7h37
